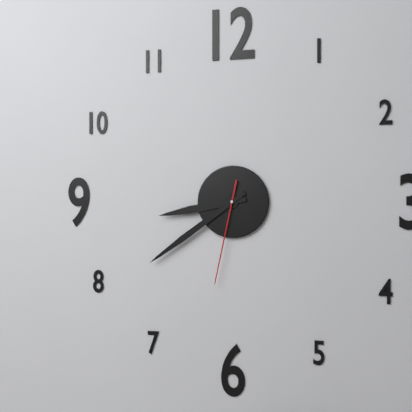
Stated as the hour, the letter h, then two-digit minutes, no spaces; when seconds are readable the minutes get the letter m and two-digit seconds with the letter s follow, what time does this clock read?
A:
8h39m32s
